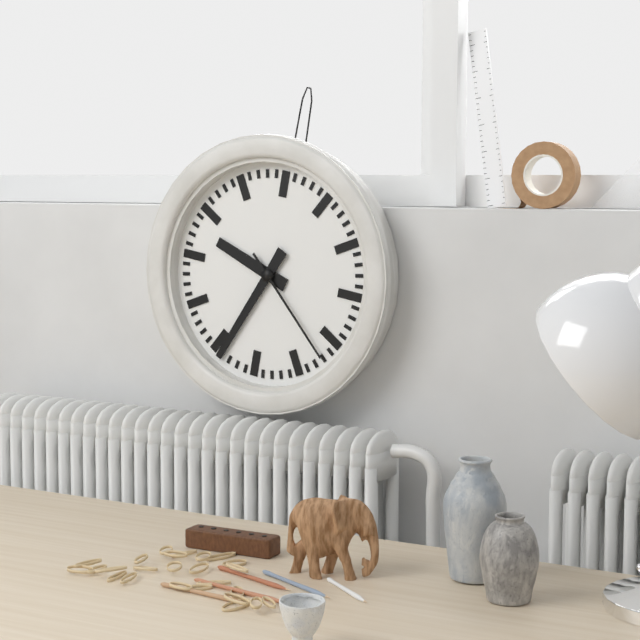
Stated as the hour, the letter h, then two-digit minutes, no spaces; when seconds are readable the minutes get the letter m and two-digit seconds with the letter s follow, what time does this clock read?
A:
9h34m22s
